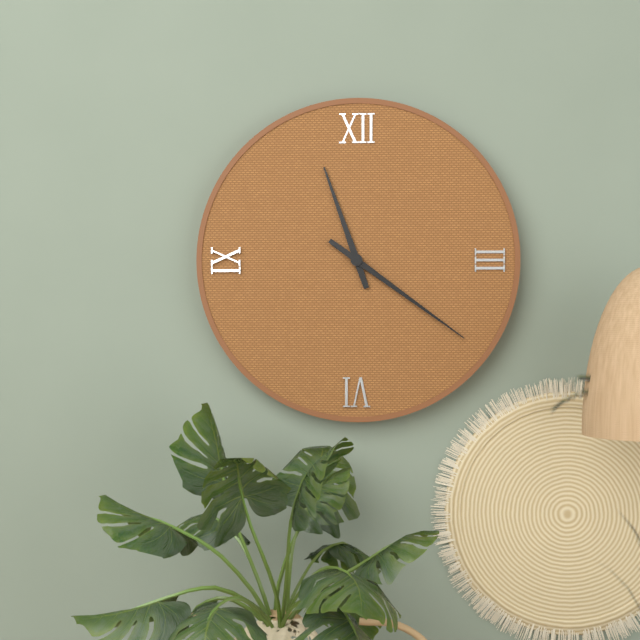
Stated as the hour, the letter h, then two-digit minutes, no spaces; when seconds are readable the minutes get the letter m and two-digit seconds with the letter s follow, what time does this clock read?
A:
11h21
